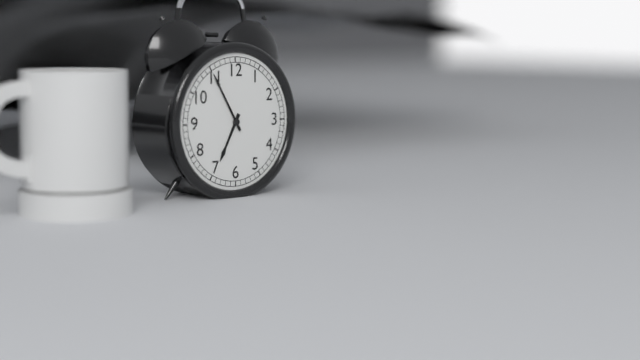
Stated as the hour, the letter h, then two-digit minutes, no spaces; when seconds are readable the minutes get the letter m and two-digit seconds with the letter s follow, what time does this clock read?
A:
6h55
